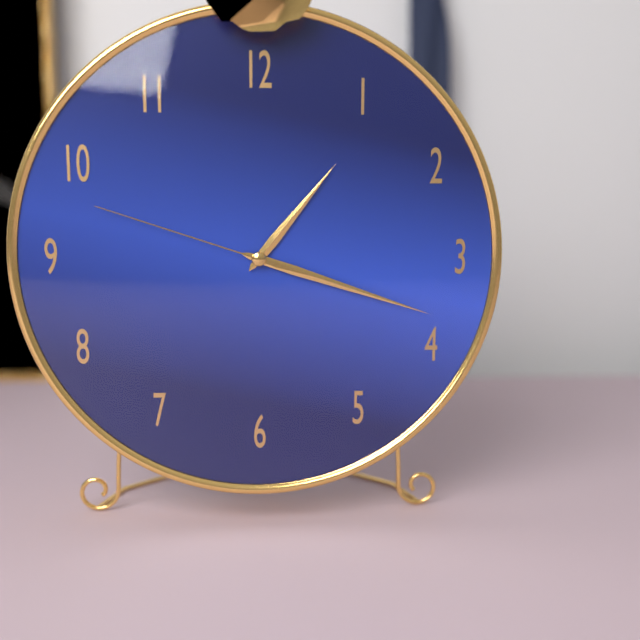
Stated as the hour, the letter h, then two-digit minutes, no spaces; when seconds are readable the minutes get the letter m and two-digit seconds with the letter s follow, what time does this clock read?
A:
1h18m48s
